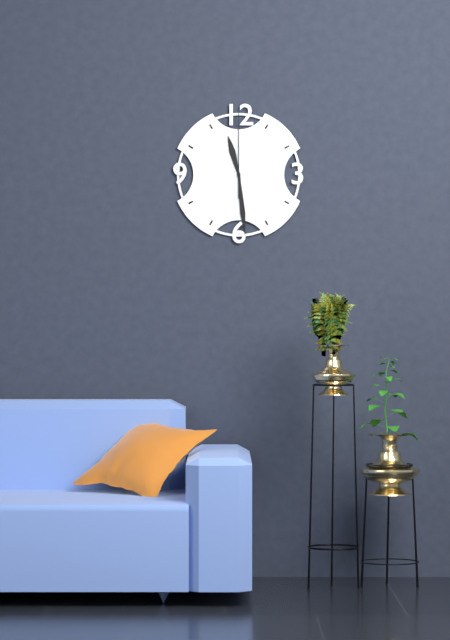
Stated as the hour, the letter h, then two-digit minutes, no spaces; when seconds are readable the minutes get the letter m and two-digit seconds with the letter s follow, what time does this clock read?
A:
11h29m00s
